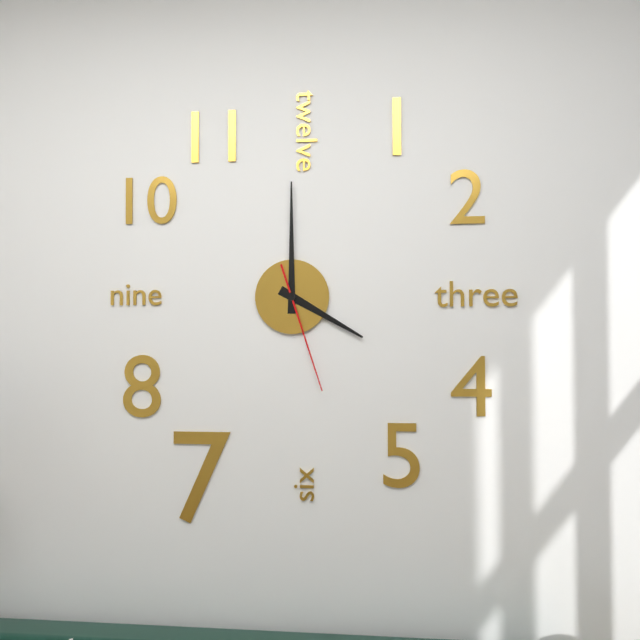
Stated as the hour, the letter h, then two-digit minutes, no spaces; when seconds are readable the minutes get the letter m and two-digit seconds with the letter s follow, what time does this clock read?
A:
4h00m27s
